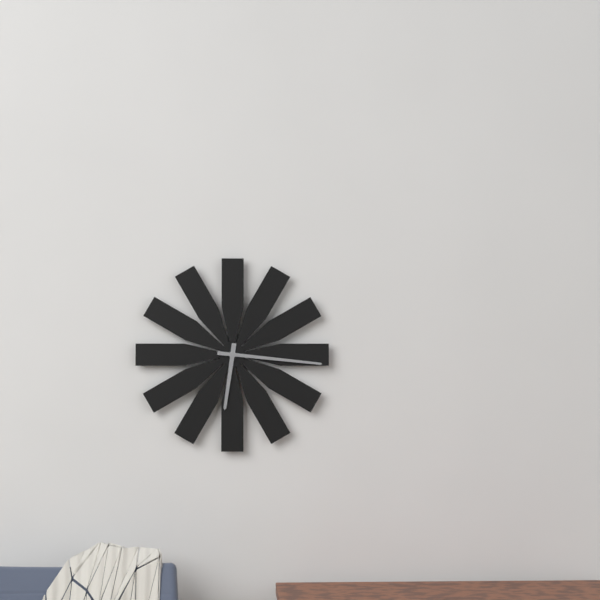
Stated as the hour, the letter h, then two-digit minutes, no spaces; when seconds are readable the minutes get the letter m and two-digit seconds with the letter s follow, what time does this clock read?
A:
6h16
